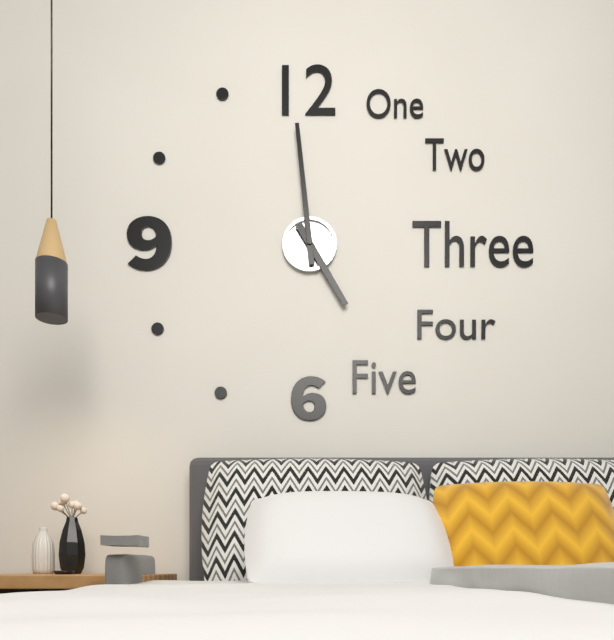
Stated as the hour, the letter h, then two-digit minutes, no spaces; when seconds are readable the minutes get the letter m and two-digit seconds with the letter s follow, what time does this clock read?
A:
4h59
